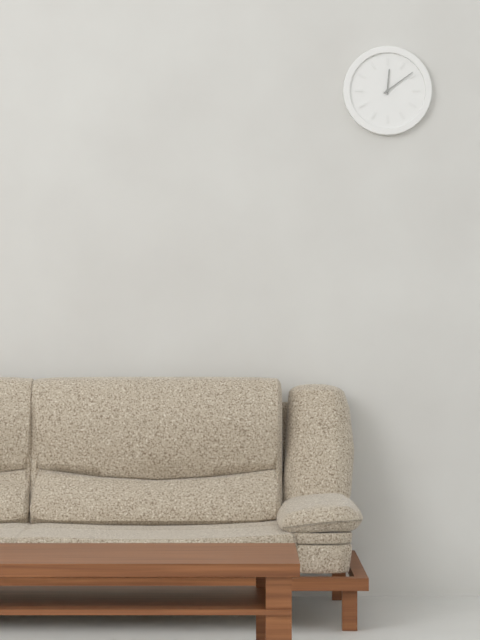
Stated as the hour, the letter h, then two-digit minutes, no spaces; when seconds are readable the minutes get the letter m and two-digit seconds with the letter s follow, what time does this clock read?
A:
12h09
